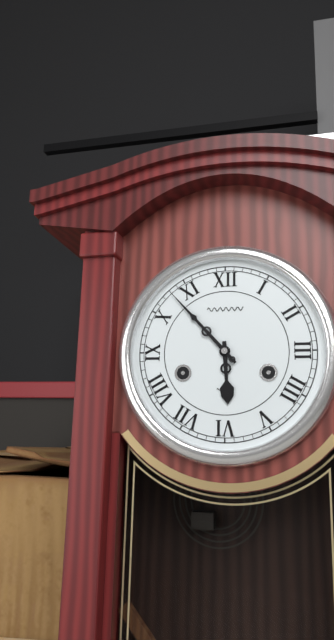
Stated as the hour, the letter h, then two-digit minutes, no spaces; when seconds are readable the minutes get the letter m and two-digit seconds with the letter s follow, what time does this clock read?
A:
5h53
